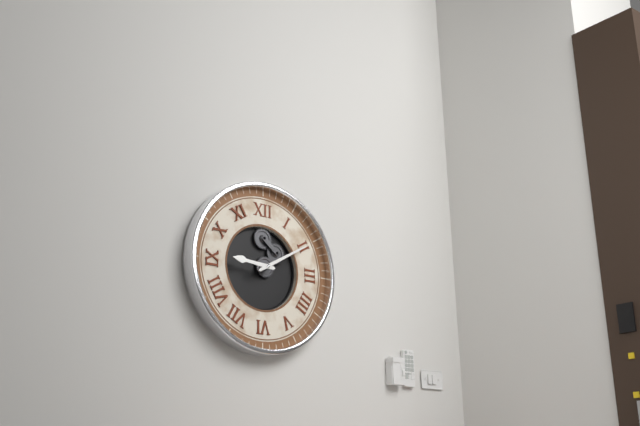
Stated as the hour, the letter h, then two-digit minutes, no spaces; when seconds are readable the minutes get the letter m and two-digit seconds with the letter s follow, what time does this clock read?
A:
9h10
